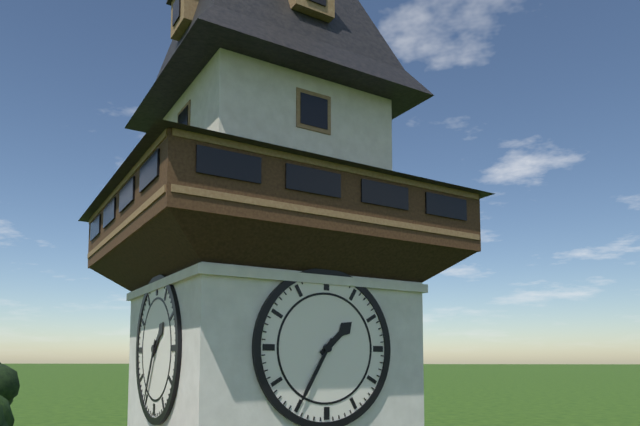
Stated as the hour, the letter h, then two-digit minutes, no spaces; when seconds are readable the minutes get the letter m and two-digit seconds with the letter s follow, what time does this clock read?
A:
1h35
